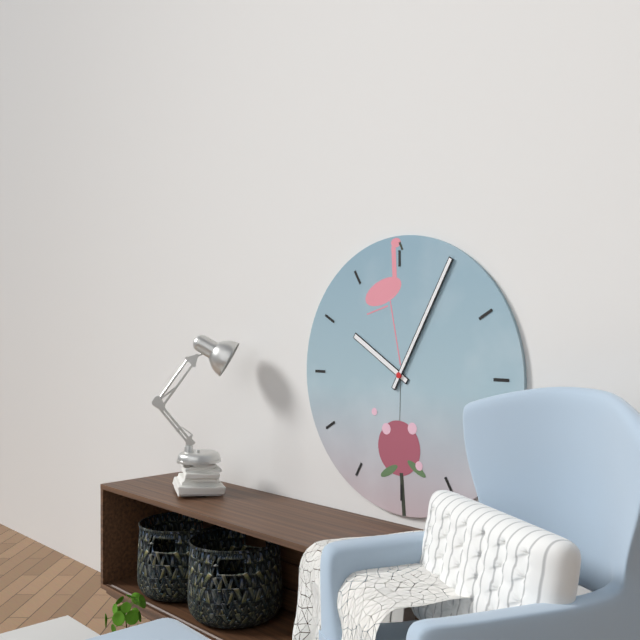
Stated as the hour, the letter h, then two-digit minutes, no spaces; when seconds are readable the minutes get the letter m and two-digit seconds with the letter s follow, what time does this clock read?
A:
10h05
